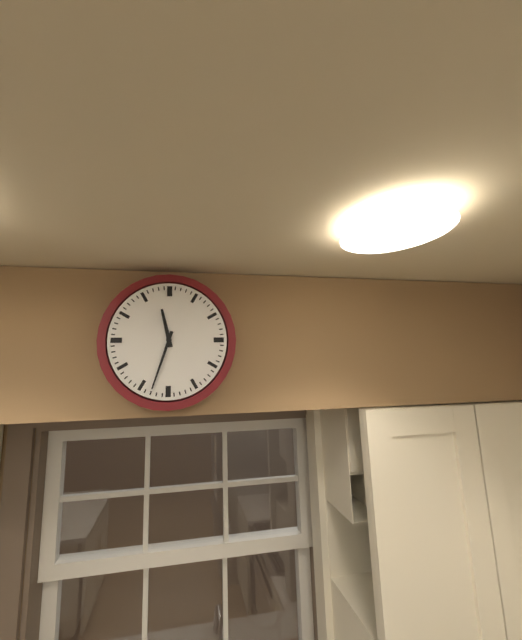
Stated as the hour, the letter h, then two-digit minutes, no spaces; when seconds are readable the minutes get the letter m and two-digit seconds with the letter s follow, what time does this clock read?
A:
11h33
